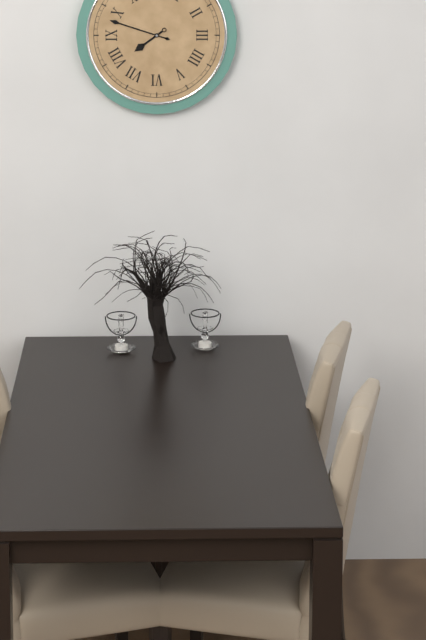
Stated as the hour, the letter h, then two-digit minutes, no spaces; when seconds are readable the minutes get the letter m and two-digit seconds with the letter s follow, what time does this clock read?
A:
7h48
